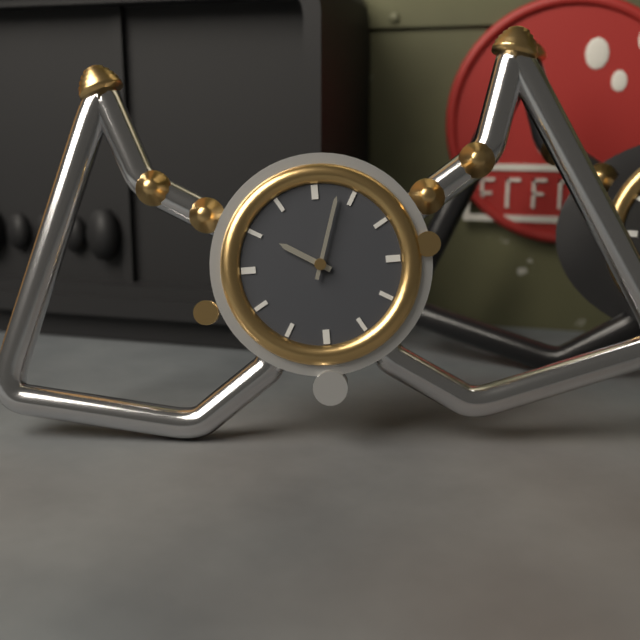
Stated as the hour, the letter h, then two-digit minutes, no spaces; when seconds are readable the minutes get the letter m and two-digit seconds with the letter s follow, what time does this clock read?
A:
10h03
